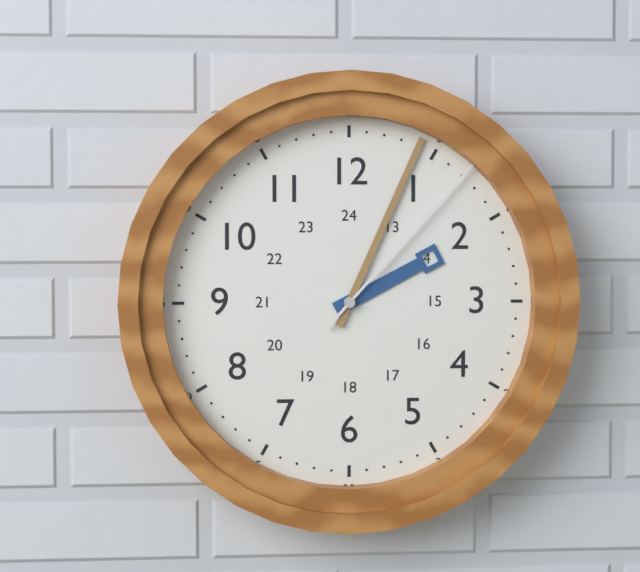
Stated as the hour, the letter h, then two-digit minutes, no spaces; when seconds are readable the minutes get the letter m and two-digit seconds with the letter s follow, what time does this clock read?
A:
2h04m07s
